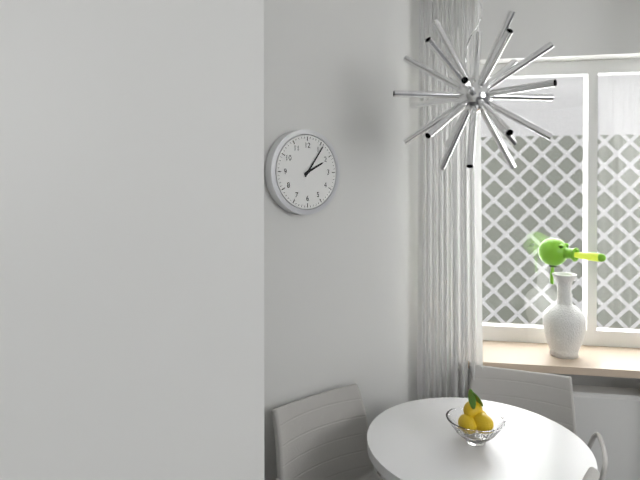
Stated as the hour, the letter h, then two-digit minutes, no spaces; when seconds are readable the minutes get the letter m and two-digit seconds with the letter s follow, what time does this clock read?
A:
2h06
